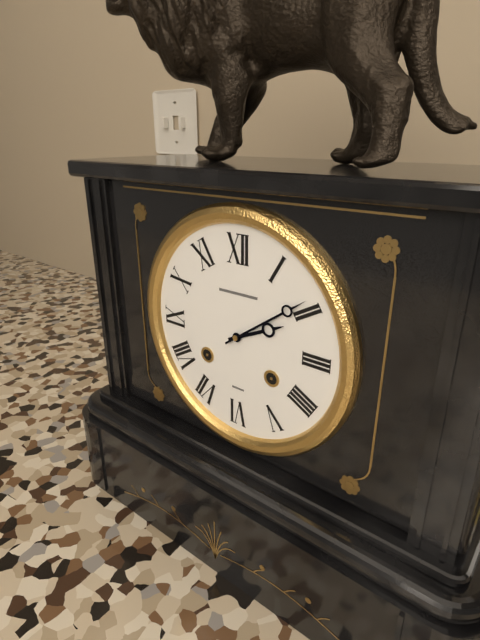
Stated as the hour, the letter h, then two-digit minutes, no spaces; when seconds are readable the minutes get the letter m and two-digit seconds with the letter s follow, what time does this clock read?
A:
2h09
